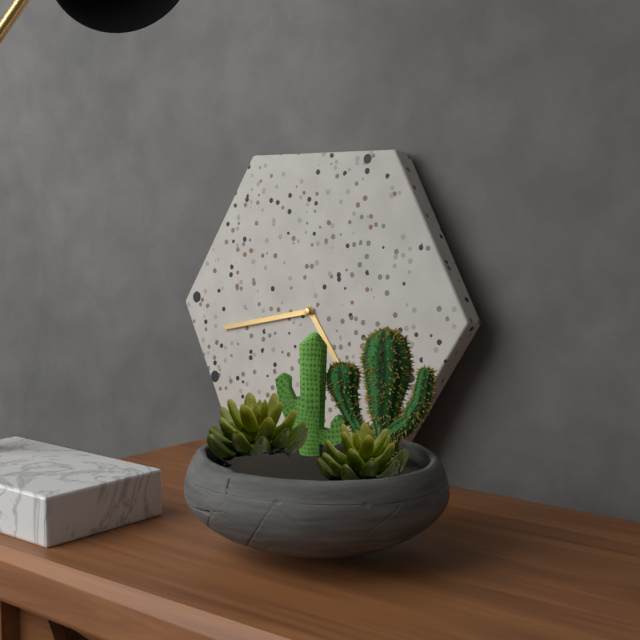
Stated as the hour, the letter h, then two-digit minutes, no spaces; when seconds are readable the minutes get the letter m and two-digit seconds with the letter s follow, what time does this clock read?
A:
4h43
